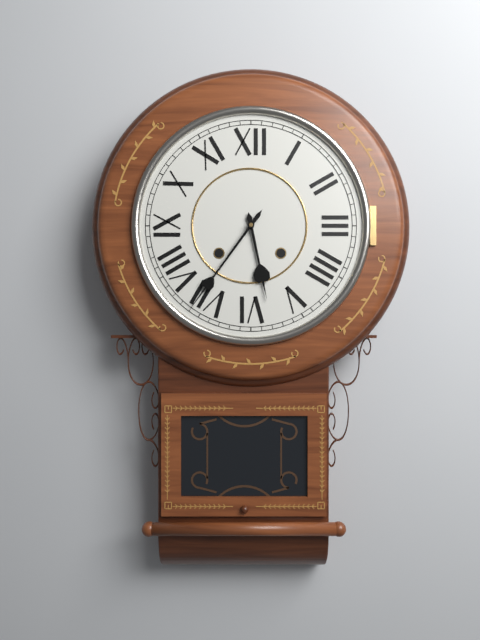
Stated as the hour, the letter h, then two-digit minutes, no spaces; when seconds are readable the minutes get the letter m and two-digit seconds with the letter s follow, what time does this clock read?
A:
5h36
